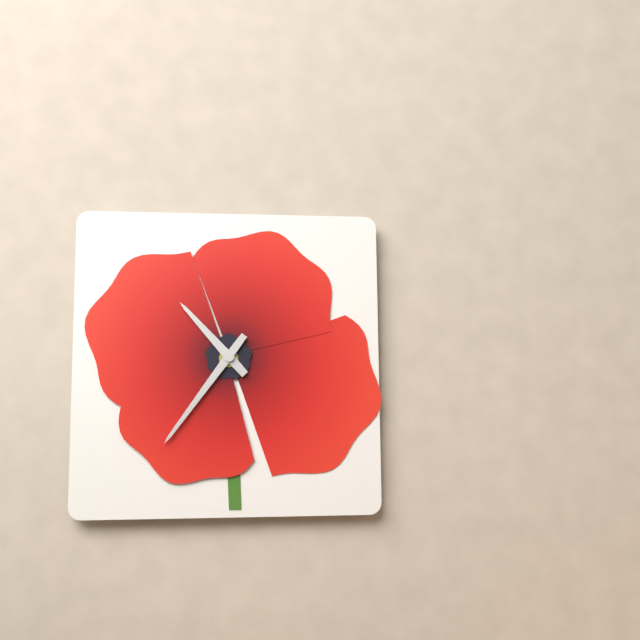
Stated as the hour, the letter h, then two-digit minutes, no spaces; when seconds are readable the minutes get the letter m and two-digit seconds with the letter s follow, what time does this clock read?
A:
10h36
